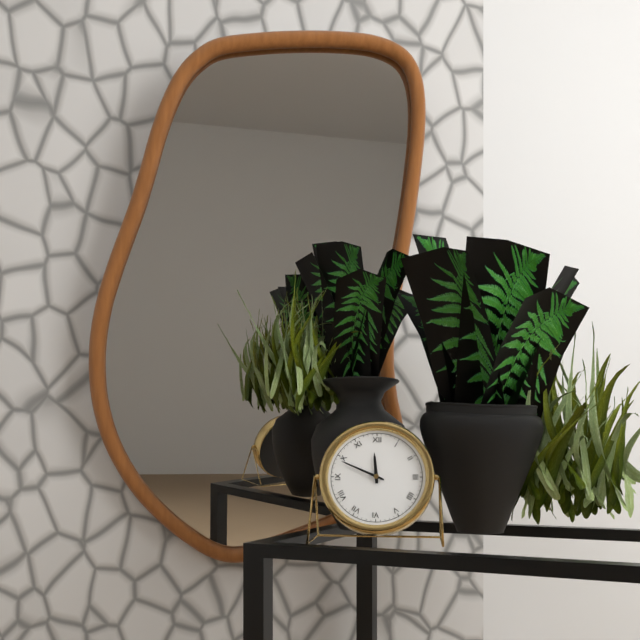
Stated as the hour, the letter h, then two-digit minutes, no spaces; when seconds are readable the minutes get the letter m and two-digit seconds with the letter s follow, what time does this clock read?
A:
11h49
